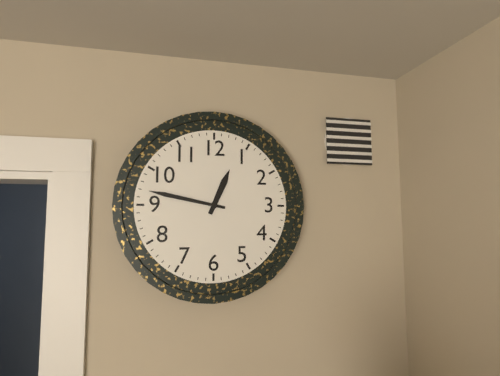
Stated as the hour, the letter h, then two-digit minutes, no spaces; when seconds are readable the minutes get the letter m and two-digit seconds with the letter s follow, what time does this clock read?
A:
12h47
